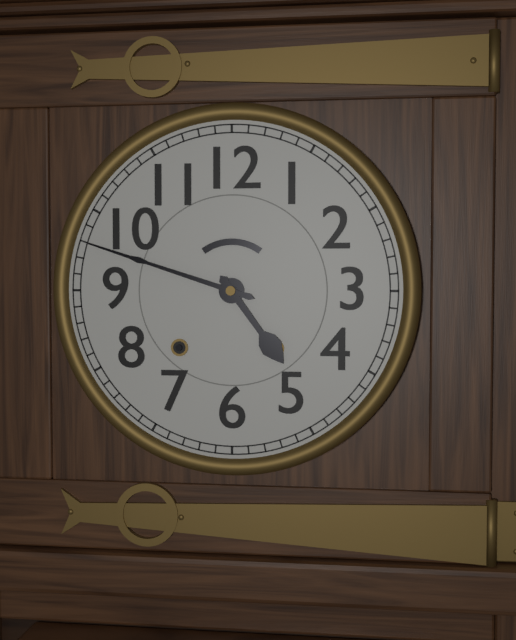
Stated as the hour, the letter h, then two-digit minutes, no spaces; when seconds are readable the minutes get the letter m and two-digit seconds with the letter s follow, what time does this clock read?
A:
4h48
